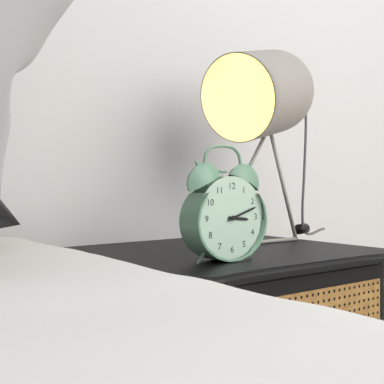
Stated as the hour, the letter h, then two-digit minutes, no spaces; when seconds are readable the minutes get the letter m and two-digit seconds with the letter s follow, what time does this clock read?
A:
3h12
